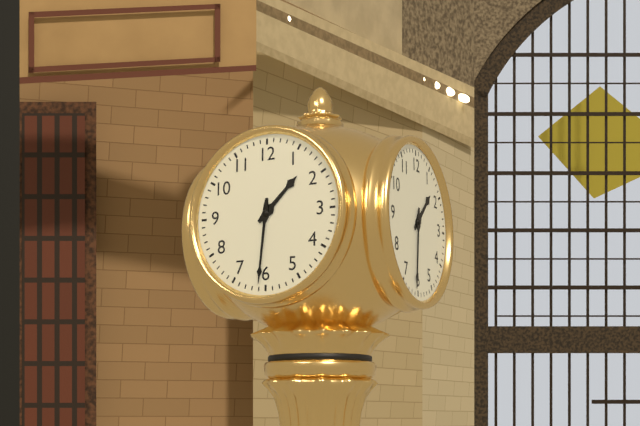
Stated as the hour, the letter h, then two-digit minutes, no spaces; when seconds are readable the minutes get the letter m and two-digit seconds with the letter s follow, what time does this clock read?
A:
1h31
